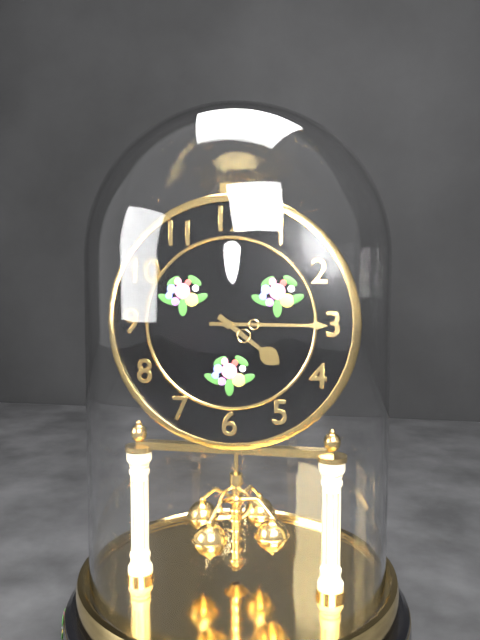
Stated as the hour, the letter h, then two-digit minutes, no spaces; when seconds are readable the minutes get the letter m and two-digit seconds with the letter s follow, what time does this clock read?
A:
4h15
